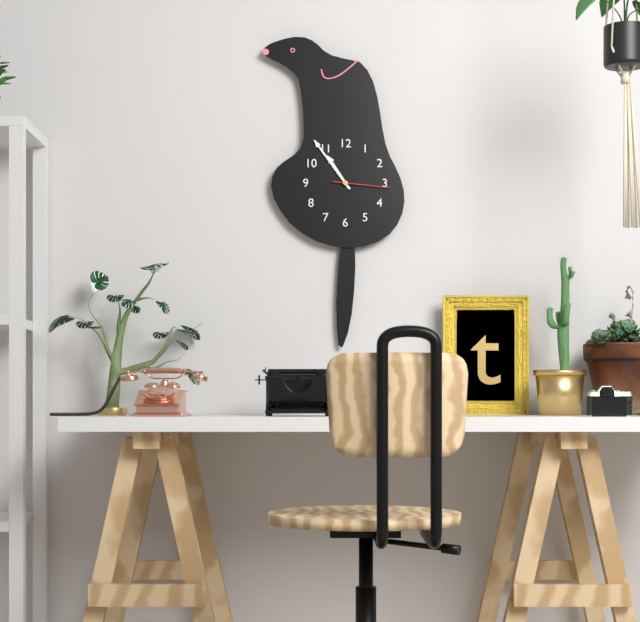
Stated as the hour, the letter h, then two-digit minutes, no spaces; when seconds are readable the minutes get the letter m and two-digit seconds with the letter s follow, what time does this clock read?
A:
10h54m16s
